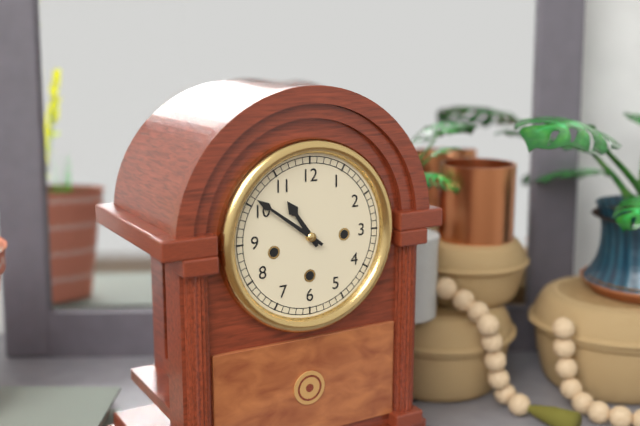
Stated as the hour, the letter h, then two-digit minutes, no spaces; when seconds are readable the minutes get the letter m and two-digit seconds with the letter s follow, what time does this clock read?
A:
10h51
